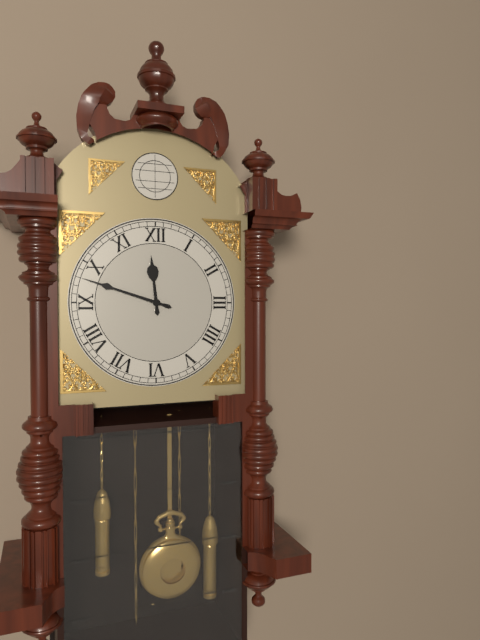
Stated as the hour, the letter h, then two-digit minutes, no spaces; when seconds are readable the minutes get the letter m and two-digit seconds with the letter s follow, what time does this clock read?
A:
11h48
